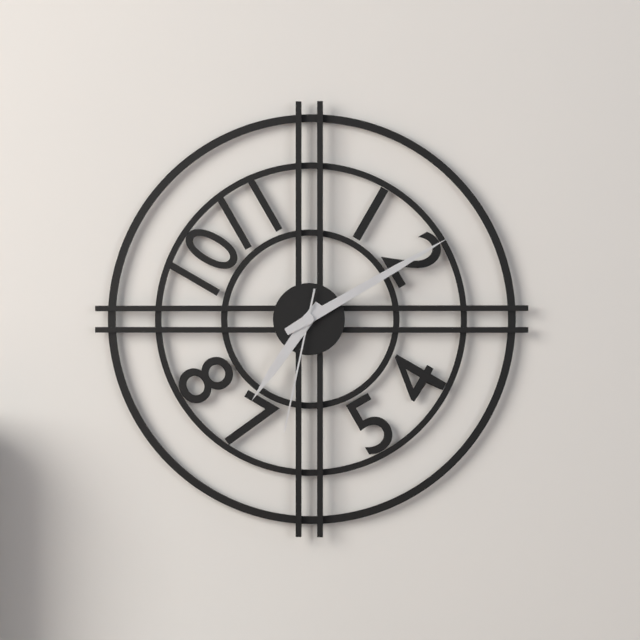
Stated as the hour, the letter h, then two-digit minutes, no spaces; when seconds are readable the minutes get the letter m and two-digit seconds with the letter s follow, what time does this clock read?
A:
7h10m32s
